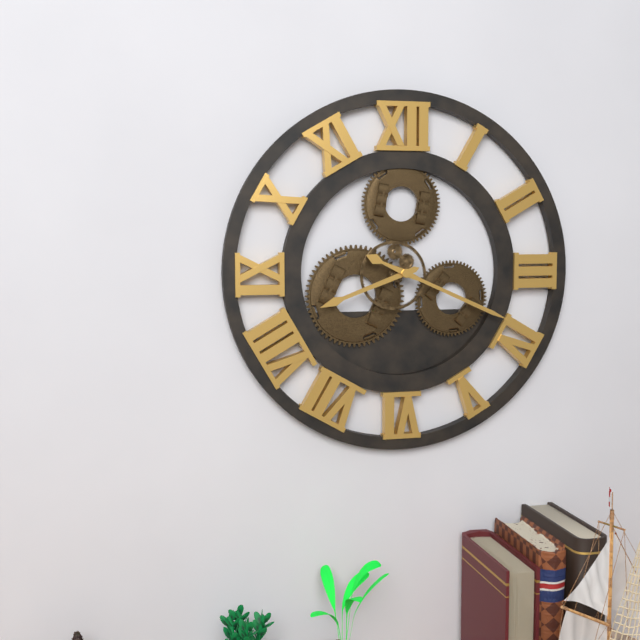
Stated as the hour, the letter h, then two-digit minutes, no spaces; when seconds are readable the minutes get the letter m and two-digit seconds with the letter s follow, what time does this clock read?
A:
8h19
